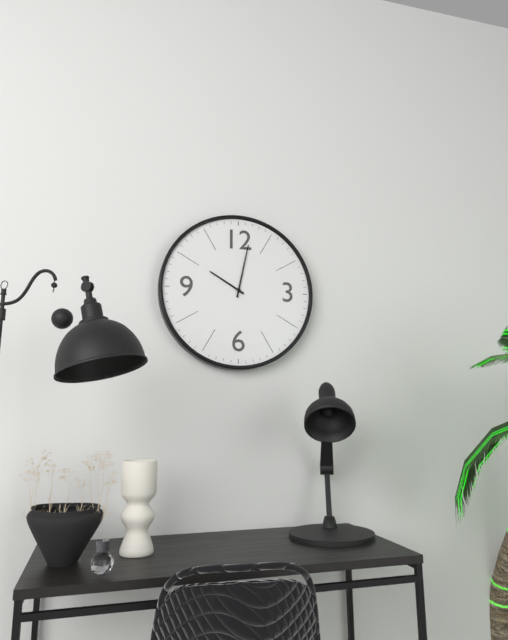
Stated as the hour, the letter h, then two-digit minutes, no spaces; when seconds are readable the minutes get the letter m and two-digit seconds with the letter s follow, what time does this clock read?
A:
10h02
